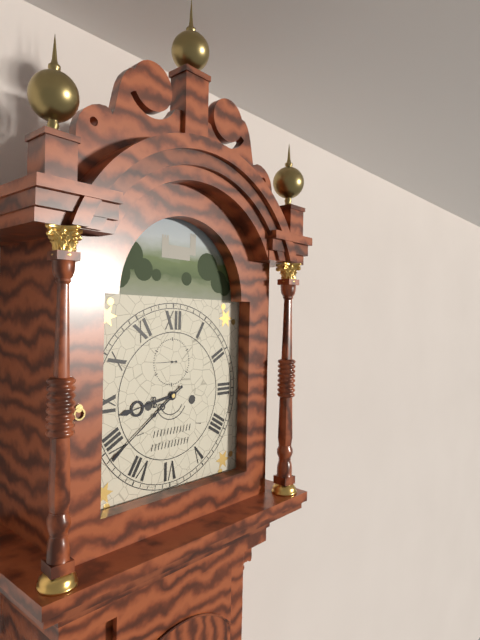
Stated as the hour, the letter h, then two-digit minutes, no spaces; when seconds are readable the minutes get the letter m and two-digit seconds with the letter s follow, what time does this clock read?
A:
8h39
